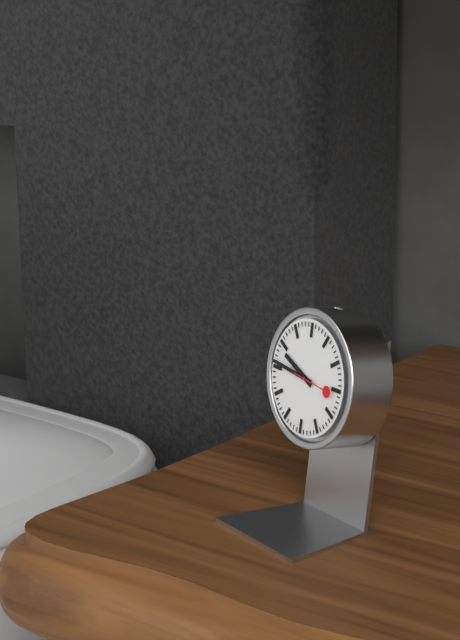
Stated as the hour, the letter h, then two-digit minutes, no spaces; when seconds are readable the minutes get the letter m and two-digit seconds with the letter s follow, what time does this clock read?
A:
9h46
